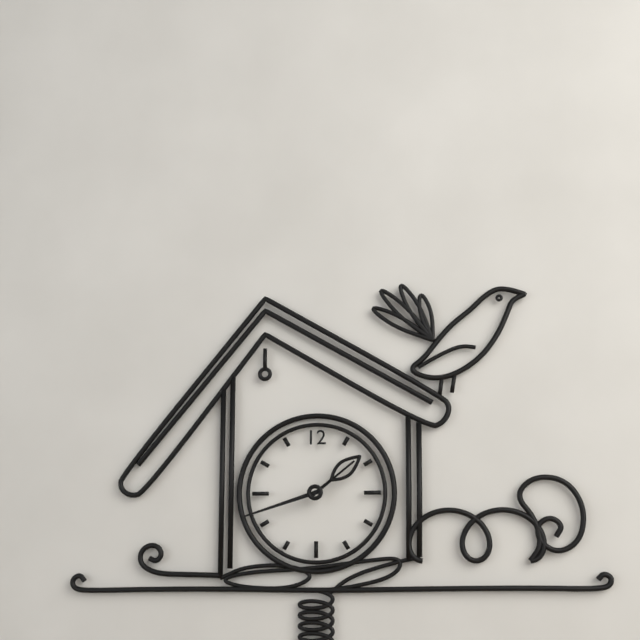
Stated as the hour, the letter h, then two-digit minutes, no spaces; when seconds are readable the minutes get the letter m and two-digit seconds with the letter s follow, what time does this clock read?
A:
1h42
